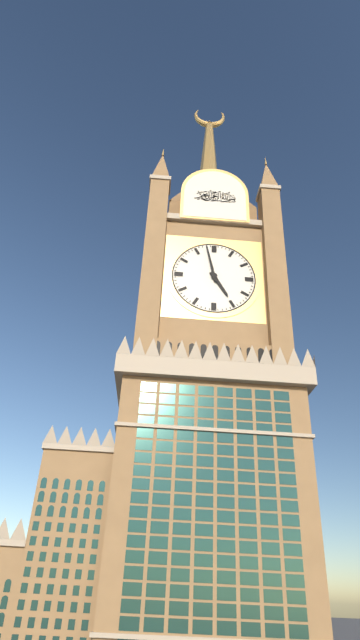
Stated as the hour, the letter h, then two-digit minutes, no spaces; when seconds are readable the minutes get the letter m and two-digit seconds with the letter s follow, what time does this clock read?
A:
4h58
